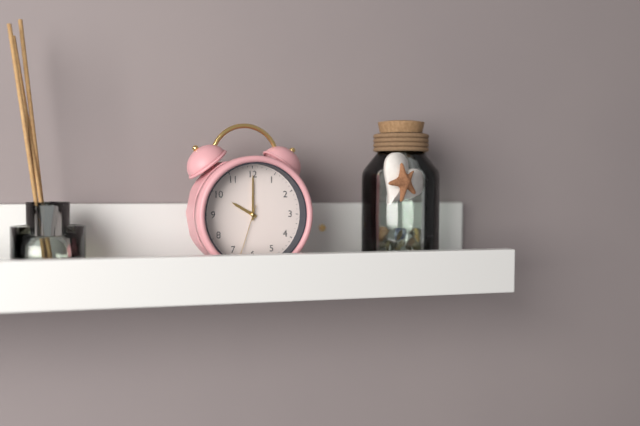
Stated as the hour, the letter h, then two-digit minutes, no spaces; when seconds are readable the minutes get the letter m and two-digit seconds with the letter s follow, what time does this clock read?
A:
10h00m33s
